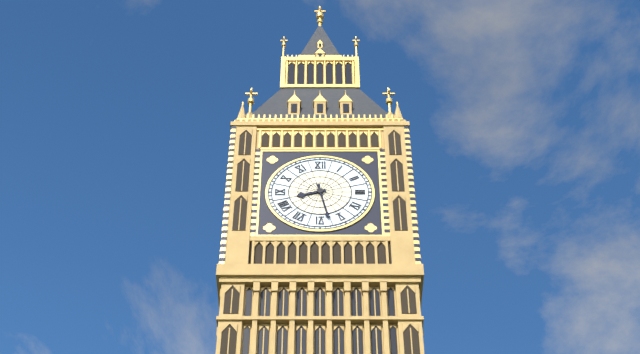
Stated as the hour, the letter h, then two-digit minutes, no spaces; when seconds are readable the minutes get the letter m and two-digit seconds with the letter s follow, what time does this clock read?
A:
8h28
